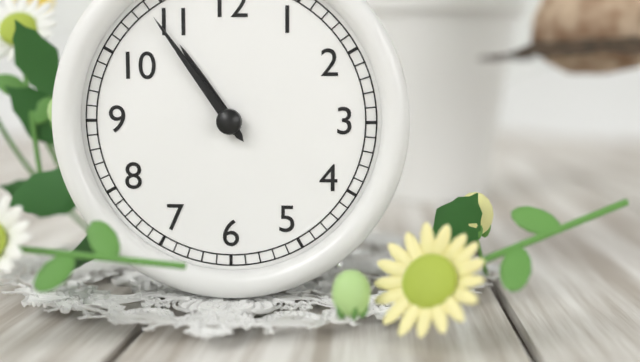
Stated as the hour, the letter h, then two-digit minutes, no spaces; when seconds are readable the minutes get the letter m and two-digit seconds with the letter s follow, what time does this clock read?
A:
10h54
